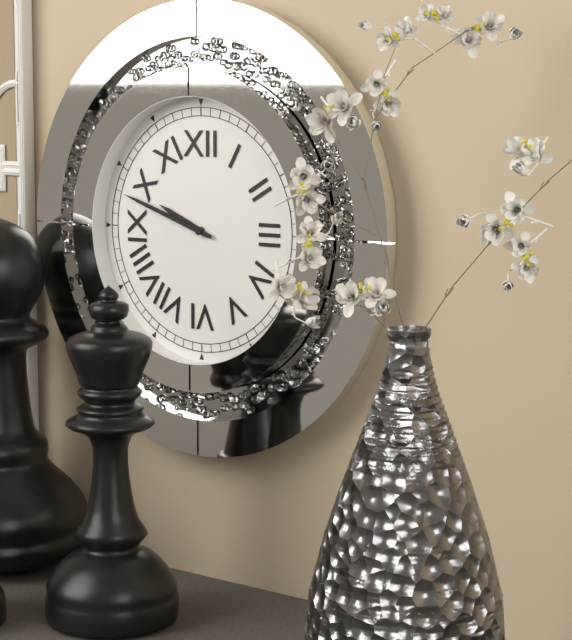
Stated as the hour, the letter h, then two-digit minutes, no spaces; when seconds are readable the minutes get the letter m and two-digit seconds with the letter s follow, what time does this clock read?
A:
9h48
